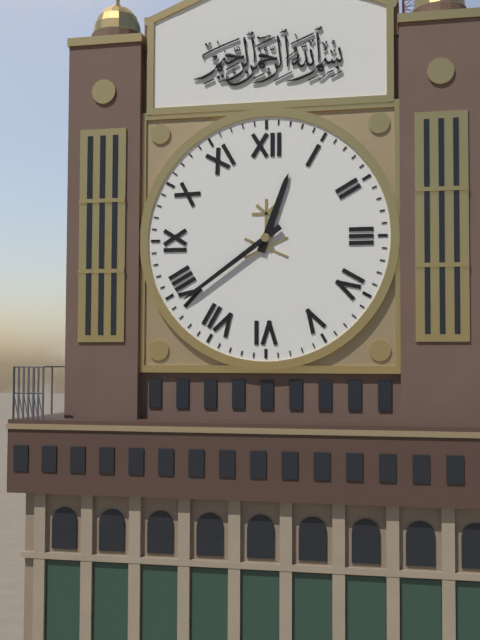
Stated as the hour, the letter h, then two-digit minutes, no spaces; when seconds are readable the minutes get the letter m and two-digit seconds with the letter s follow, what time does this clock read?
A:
12h39
